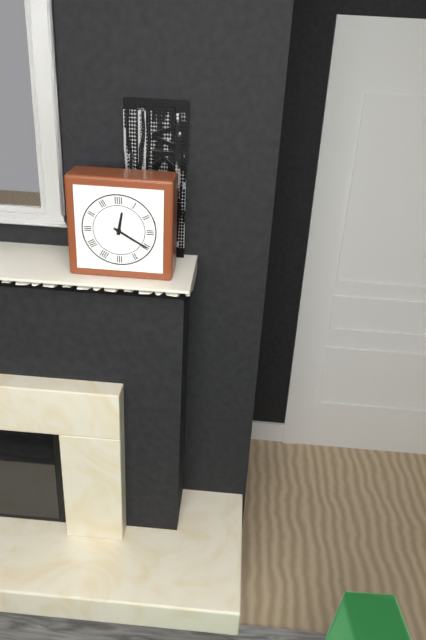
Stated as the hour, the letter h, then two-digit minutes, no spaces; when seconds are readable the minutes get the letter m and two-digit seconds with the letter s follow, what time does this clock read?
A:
12h20
